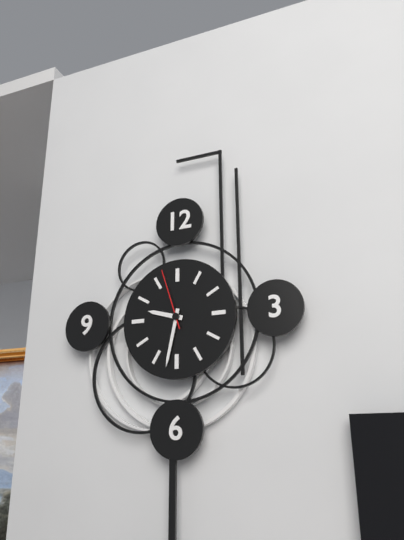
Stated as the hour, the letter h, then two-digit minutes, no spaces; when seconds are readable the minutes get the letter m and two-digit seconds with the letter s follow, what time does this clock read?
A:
9h32m57s
